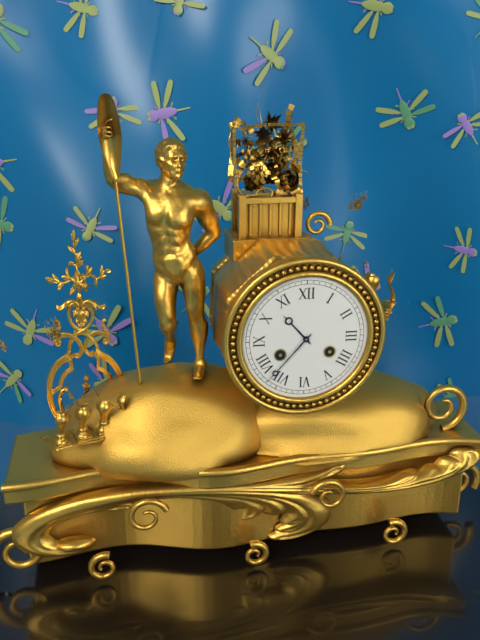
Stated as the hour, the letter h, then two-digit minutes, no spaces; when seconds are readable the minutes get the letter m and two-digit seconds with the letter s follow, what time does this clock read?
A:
10h37
